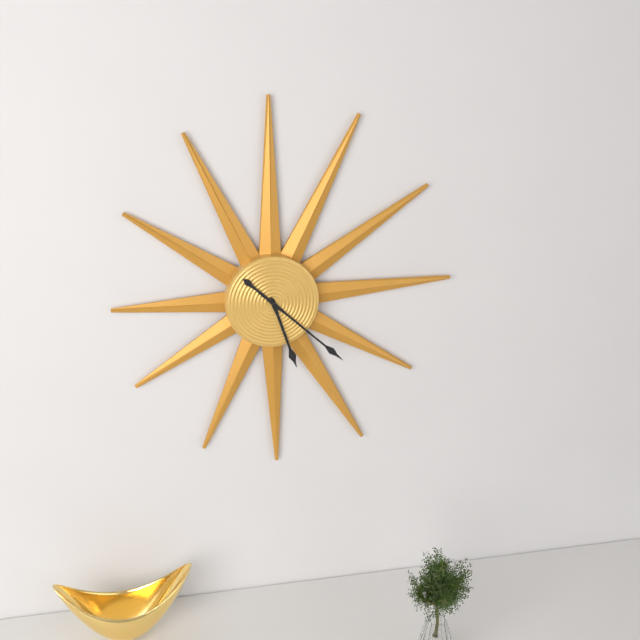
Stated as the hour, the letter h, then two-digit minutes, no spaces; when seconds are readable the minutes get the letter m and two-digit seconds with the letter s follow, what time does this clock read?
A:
5h22
